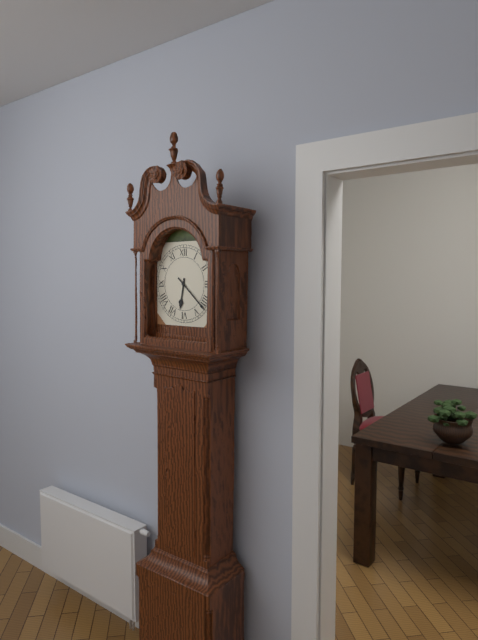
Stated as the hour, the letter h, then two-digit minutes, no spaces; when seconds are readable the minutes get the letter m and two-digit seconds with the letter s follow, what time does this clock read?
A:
6h22
